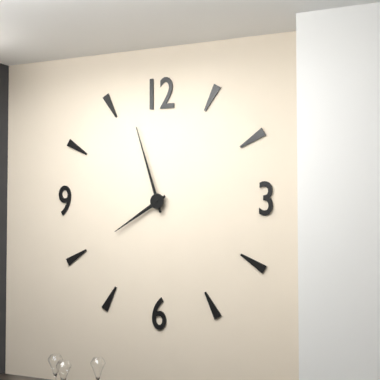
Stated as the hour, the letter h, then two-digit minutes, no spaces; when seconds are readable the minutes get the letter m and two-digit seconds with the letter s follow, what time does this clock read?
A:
7h57
